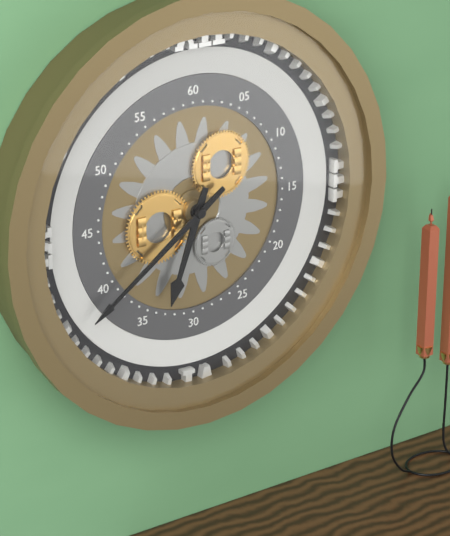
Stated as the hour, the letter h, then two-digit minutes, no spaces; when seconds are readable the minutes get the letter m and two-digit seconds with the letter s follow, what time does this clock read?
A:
6h39
